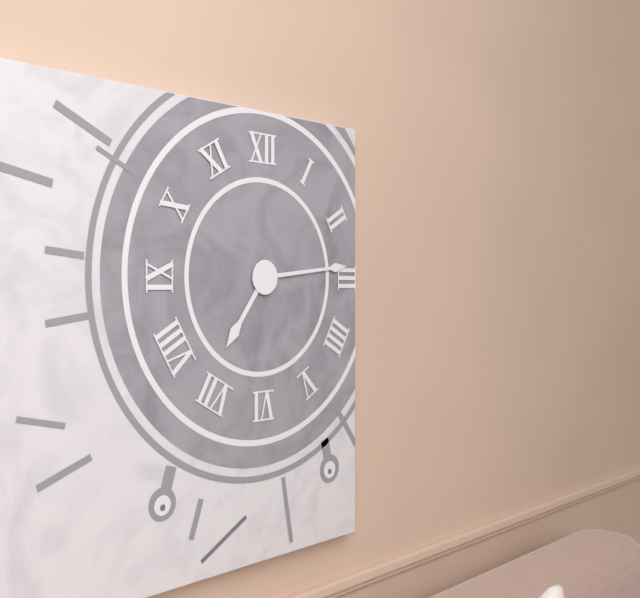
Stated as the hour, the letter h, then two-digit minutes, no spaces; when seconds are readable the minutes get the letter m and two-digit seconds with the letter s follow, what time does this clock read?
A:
7h14
